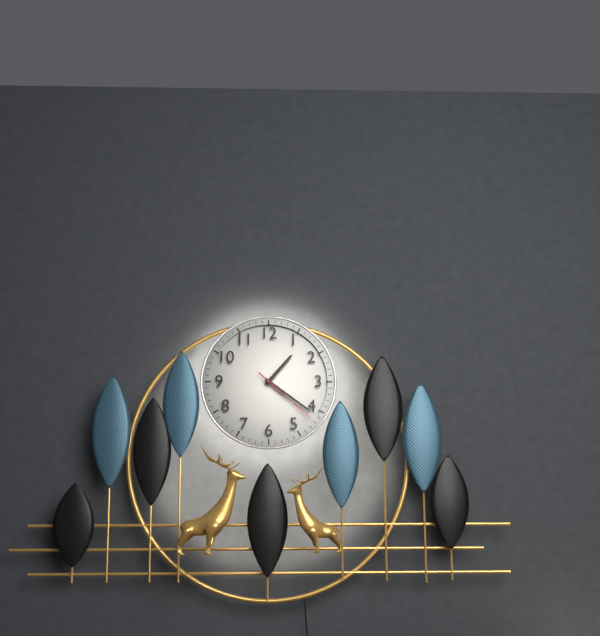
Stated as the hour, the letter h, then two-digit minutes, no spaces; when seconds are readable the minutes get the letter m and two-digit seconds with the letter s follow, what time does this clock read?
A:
1h21m22s
